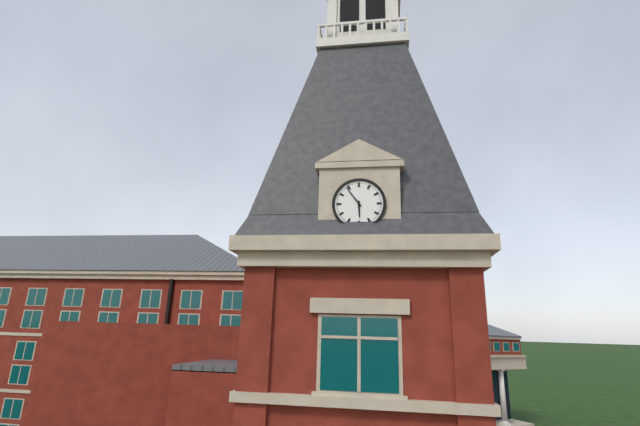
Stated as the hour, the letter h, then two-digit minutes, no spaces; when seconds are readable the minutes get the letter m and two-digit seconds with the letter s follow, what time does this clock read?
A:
5h54
